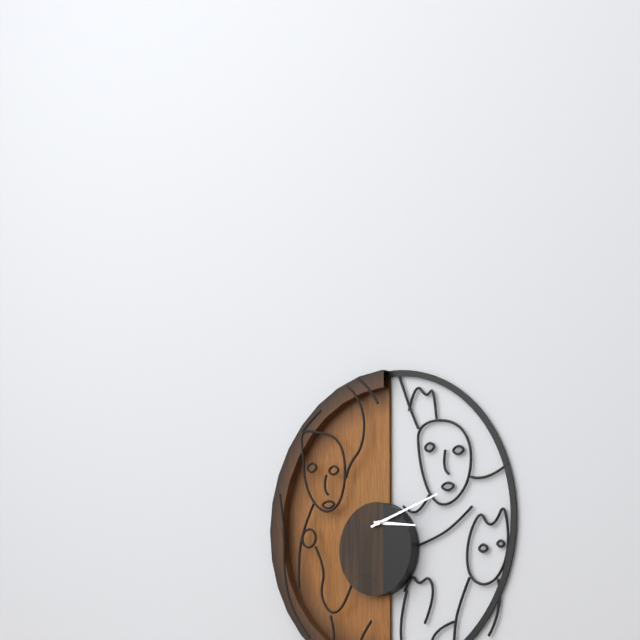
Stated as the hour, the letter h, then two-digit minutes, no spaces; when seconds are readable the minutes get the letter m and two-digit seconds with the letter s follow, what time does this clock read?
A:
3h12
